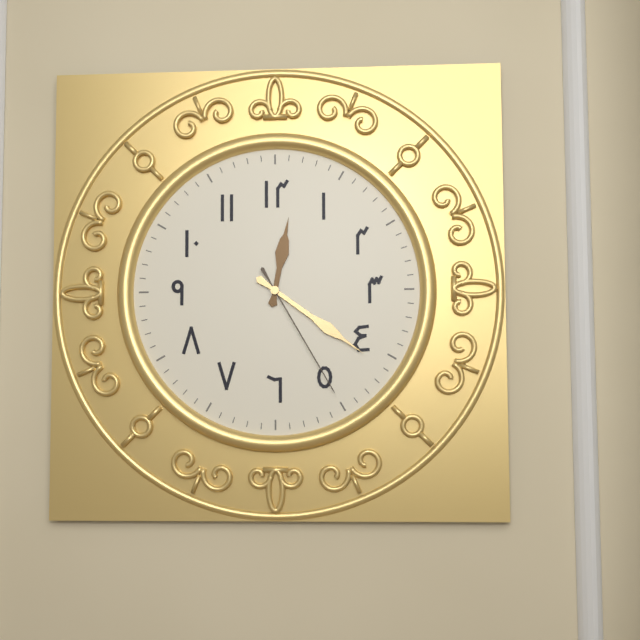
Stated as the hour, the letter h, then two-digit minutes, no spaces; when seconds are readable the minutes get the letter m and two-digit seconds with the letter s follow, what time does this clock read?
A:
12h21m25s
